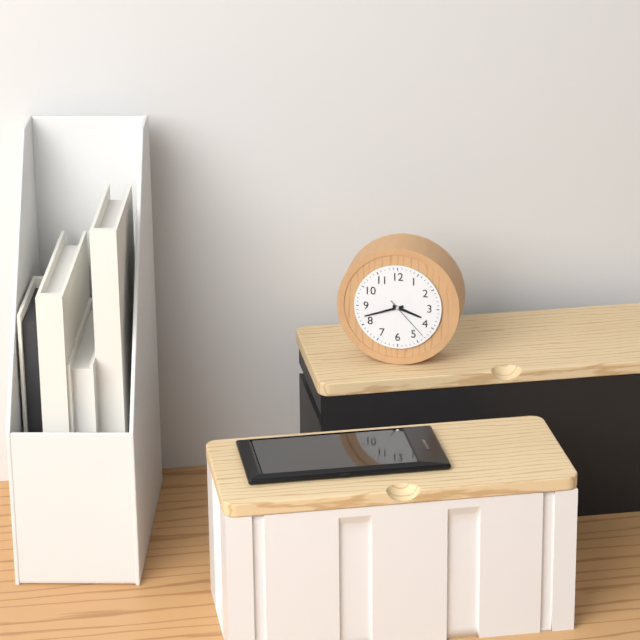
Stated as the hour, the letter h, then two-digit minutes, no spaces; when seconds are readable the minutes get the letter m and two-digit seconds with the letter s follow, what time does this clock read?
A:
3h42
